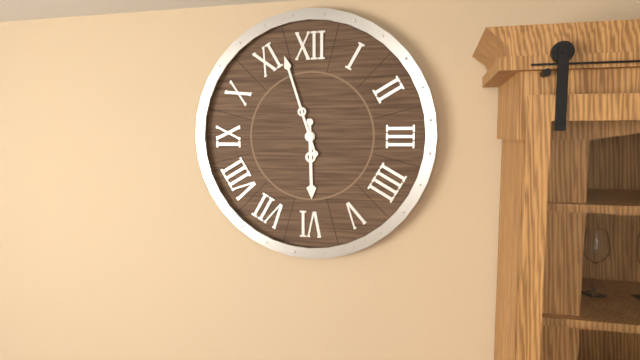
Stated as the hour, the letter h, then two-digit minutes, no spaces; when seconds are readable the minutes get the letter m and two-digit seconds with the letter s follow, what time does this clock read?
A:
5h57
